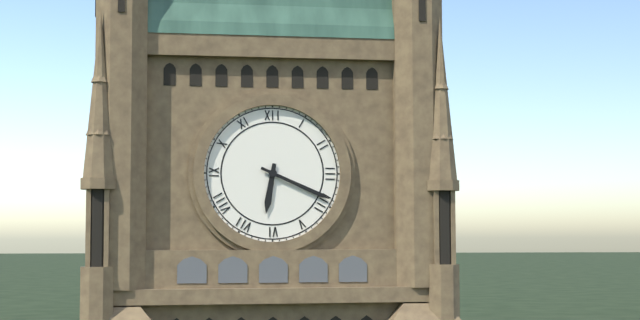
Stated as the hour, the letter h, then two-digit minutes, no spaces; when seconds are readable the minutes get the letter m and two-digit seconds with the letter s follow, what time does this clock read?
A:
6h19
